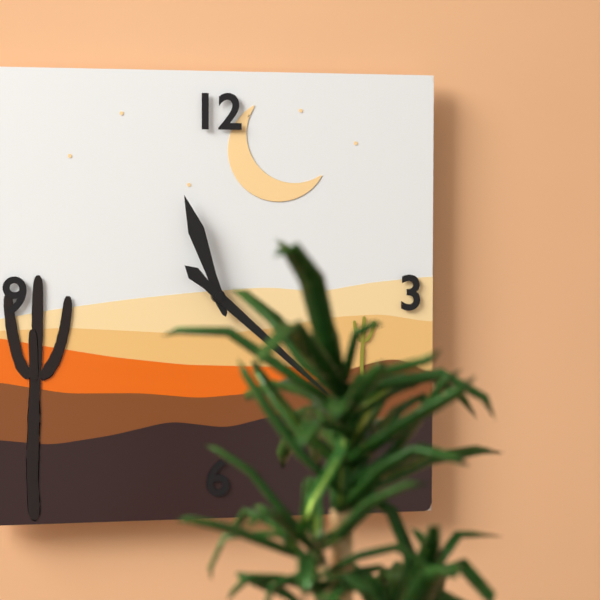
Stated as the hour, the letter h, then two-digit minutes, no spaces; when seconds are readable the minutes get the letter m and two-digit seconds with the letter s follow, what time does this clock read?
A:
11h22
